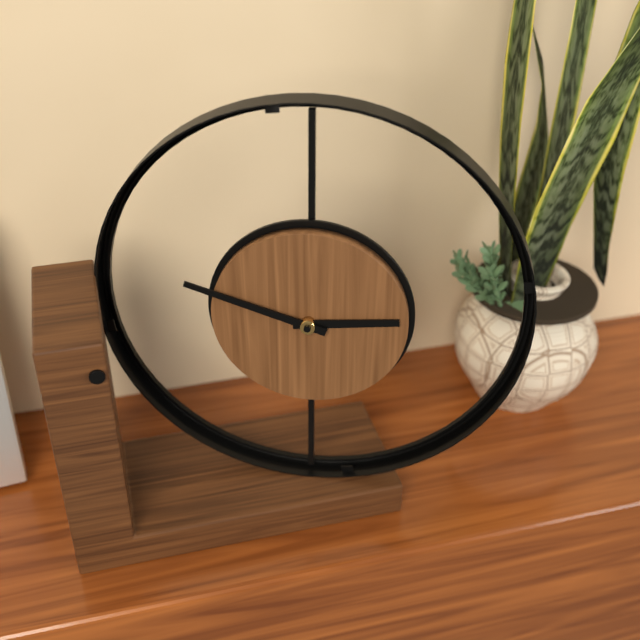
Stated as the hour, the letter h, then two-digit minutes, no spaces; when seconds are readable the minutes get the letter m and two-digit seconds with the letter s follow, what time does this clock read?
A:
2h48
